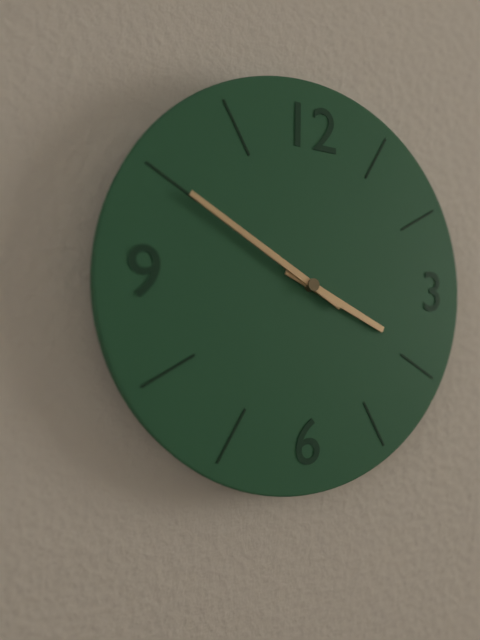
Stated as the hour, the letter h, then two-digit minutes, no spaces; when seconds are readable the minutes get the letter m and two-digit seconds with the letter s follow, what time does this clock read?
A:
3h50
